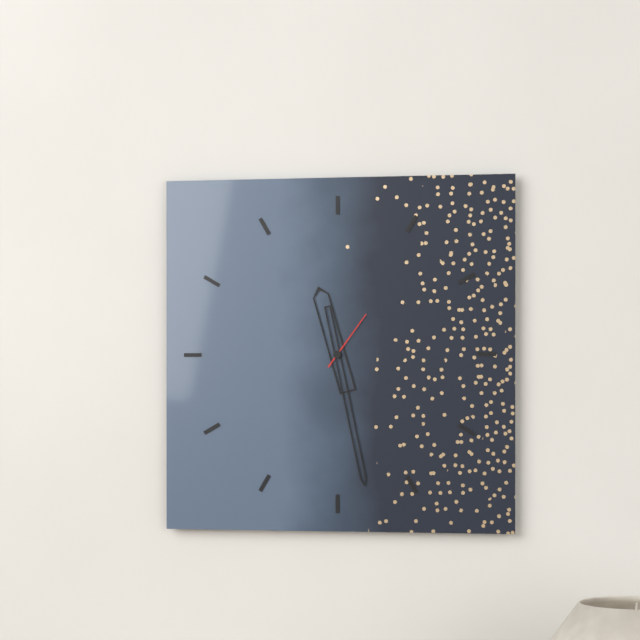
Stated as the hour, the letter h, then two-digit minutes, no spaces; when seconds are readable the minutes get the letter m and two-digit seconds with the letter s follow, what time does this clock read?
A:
11h28m06s
